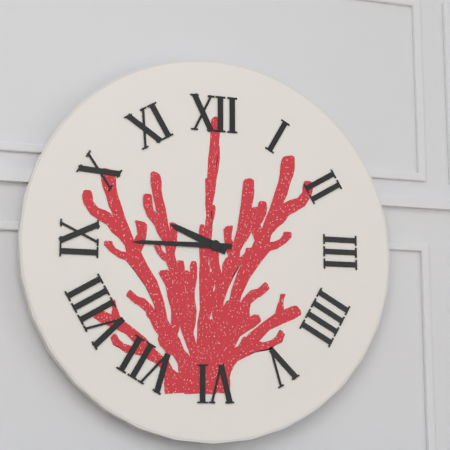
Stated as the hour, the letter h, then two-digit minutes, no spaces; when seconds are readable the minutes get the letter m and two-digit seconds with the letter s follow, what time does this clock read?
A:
9h45
